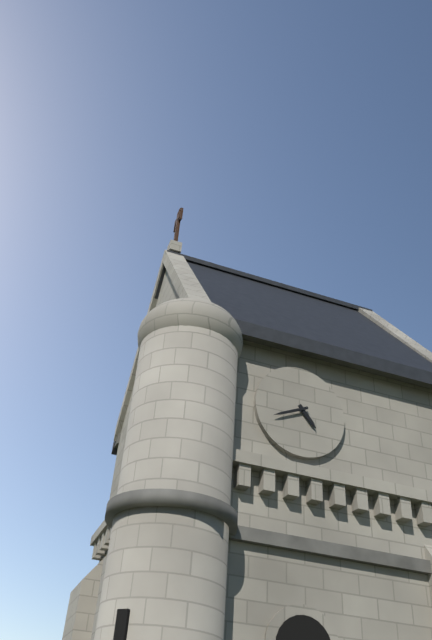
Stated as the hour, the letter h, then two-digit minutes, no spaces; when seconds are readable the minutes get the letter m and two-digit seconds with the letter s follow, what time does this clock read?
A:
4h41
